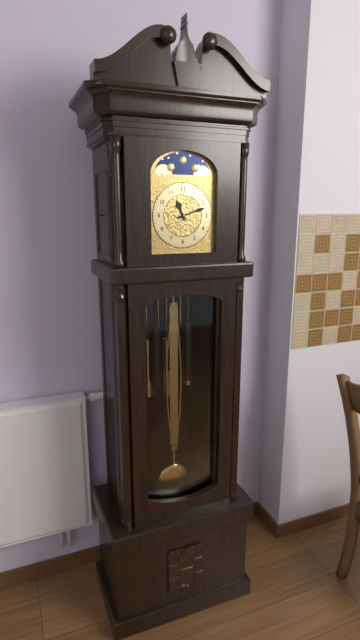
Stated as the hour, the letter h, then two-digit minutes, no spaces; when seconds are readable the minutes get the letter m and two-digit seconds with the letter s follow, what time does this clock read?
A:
11h12
